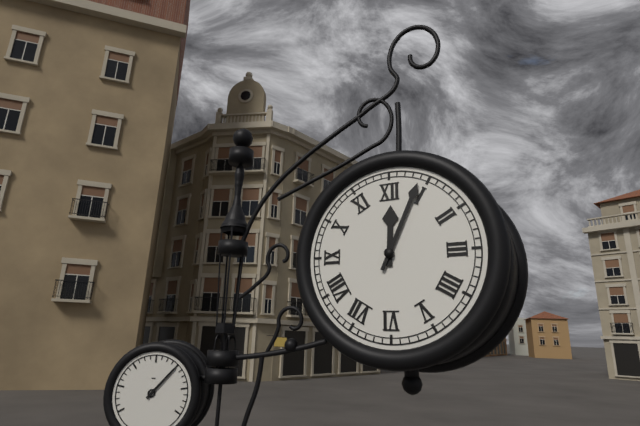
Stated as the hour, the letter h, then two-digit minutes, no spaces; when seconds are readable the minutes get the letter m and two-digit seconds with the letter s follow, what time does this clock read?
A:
12h04
